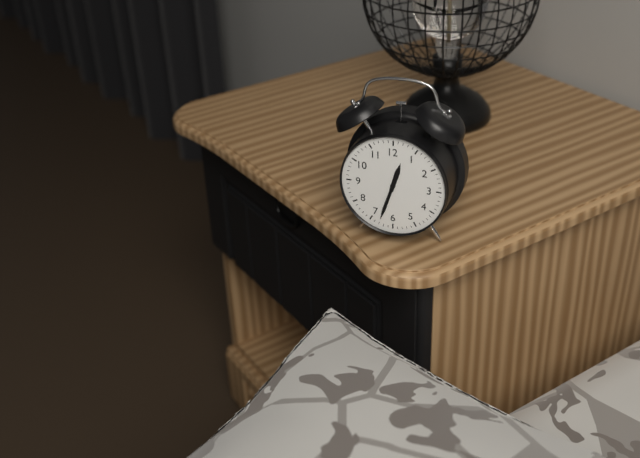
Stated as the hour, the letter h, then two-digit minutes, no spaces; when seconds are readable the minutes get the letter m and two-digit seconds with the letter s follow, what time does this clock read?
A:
12h33
